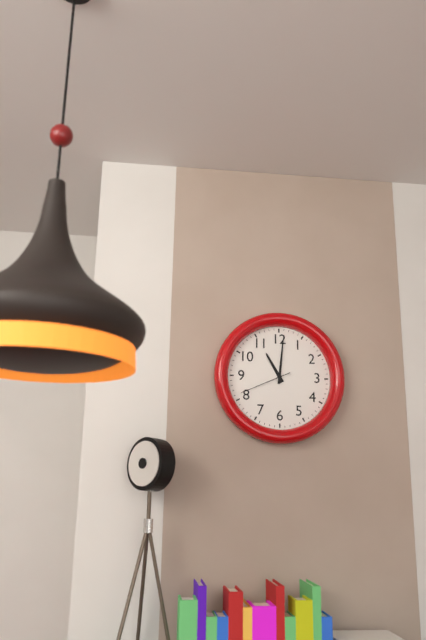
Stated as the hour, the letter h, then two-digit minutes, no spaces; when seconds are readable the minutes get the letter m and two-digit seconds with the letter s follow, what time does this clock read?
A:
11h01m41s
